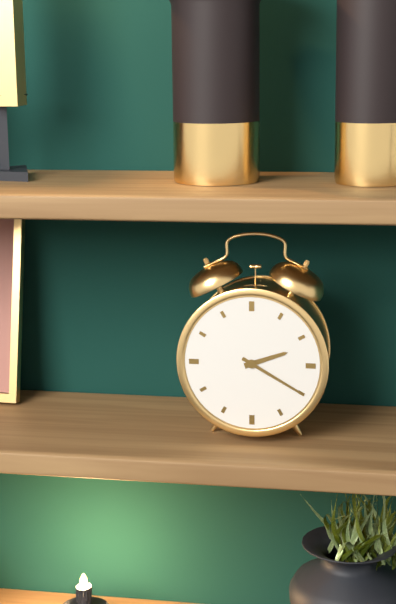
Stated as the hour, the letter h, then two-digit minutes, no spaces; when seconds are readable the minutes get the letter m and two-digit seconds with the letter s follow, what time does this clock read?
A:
2h20
